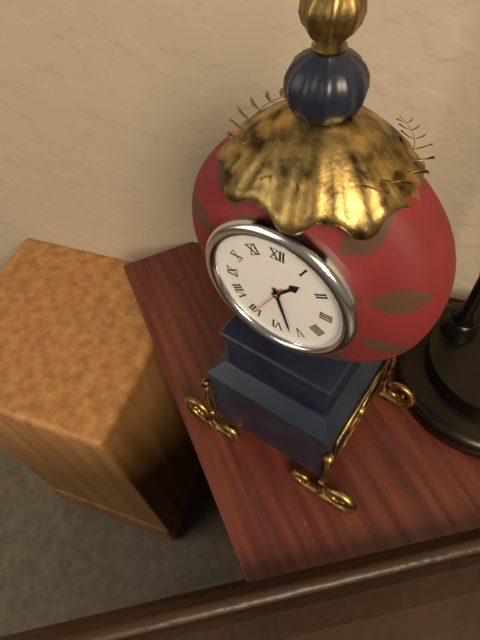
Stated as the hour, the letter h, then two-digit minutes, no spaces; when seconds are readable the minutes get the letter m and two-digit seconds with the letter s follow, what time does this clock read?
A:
1h27
